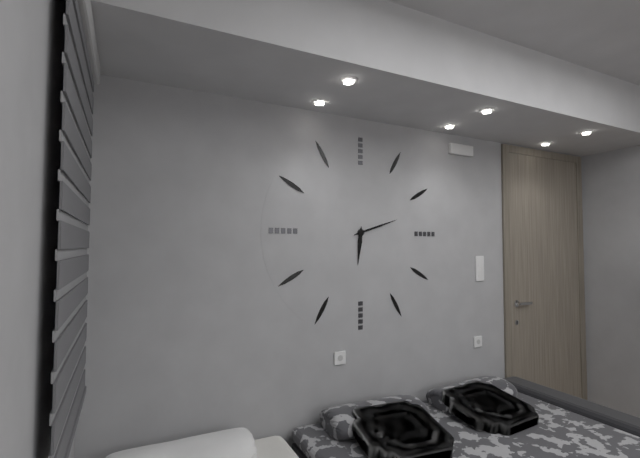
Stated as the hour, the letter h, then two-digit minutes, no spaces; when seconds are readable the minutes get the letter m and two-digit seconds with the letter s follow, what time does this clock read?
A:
6h12
